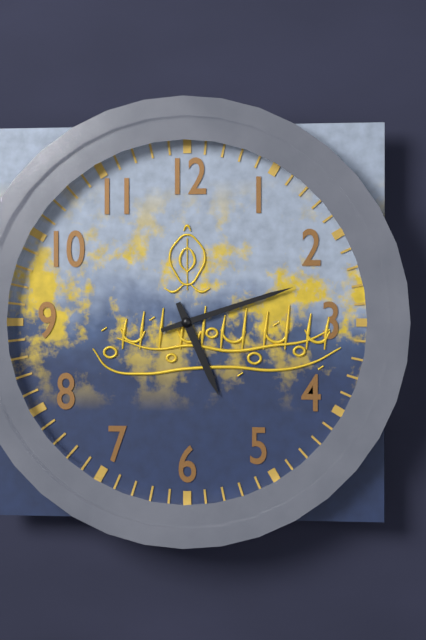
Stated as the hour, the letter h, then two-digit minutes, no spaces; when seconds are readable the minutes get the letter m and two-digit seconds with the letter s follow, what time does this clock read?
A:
5h12
